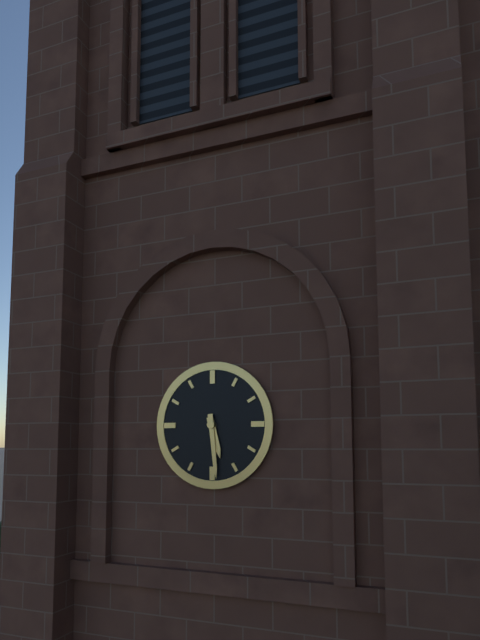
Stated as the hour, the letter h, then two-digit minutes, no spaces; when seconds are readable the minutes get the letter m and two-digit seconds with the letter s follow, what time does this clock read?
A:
5h29
